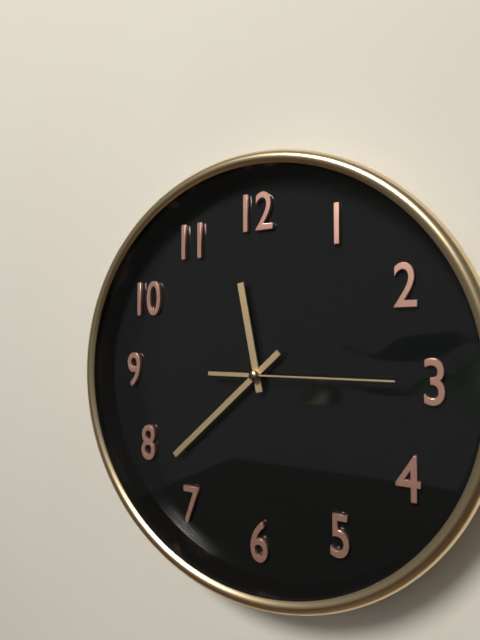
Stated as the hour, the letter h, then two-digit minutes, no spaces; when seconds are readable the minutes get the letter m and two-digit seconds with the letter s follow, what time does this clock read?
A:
11h38m15s
